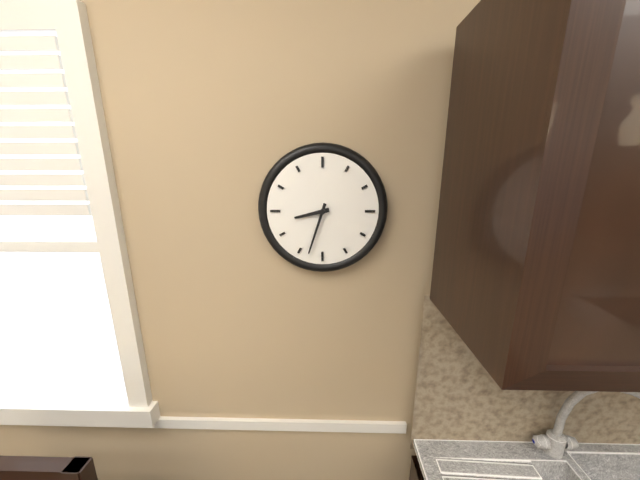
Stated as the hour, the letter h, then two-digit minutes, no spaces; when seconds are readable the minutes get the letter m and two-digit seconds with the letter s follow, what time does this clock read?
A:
8h33
